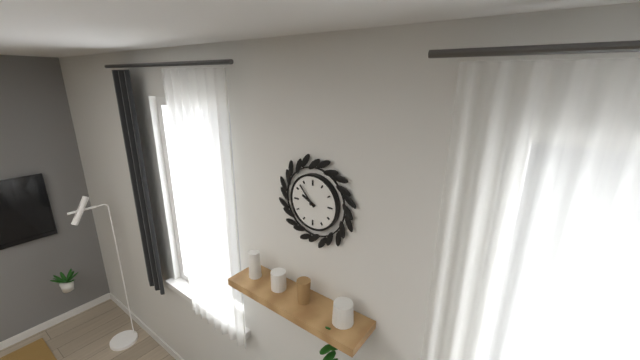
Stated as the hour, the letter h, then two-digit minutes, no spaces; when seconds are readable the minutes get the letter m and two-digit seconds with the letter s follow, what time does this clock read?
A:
9h53
